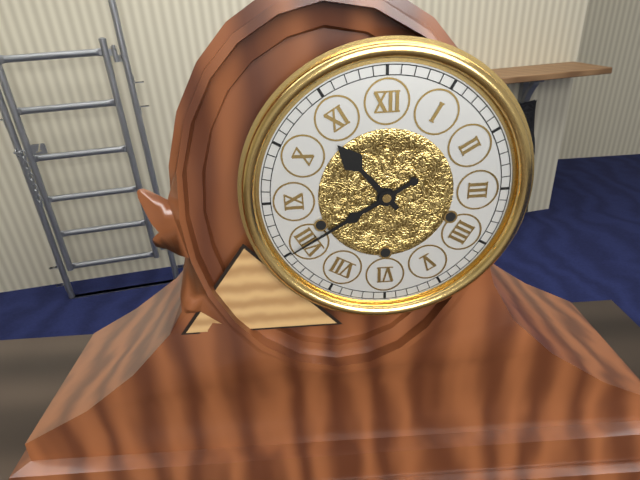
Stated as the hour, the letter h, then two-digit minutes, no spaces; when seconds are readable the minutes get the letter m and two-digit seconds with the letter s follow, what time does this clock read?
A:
10h40
